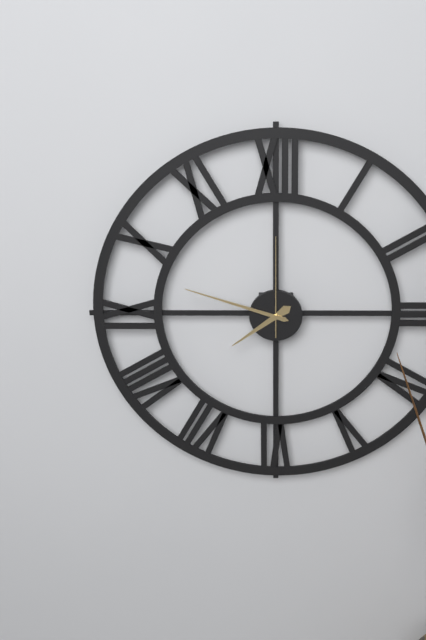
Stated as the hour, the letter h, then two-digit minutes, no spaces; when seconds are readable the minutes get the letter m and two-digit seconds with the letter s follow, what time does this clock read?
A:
7h48m00s
